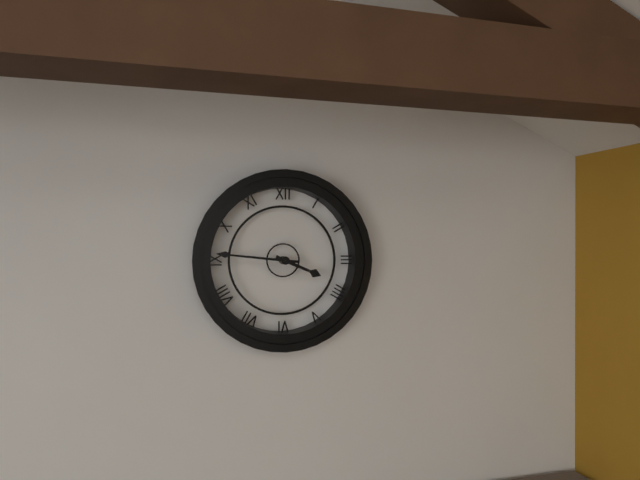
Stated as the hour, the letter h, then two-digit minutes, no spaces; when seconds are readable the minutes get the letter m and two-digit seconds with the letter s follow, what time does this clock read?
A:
3h46
